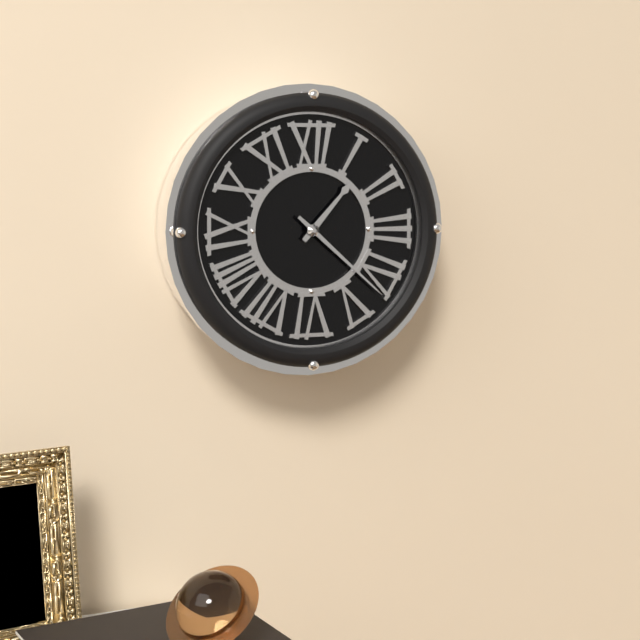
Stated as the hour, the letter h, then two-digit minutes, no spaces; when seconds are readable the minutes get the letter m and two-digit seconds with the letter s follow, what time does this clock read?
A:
1h22
